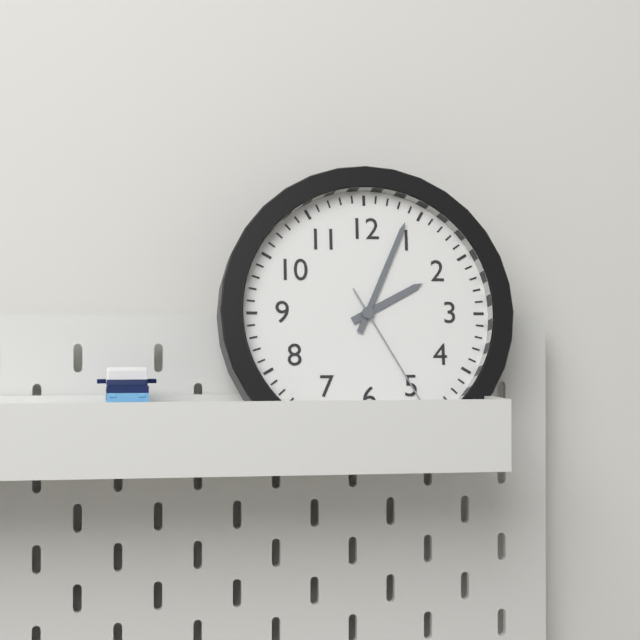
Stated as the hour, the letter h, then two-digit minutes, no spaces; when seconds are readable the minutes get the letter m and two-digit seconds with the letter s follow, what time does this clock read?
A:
2h04m25s
